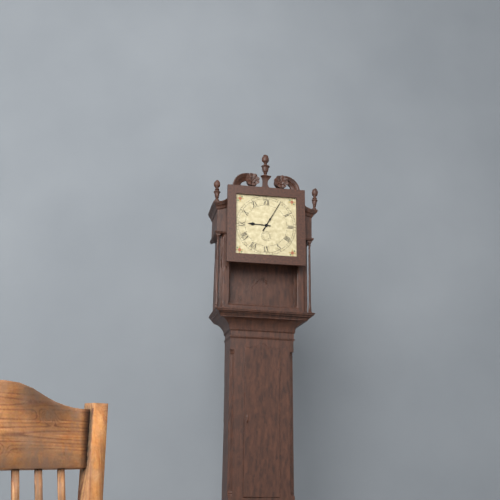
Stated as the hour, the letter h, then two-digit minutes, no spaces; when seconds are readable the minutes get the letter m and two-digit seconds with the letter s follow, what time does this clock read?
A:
9h05
